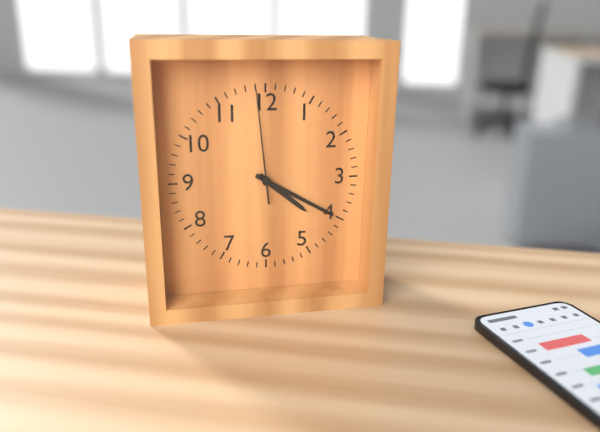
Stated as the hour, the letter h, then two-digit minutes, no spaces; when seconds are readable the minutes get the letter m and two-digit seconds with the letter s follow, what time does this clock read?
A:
4h20m59s
